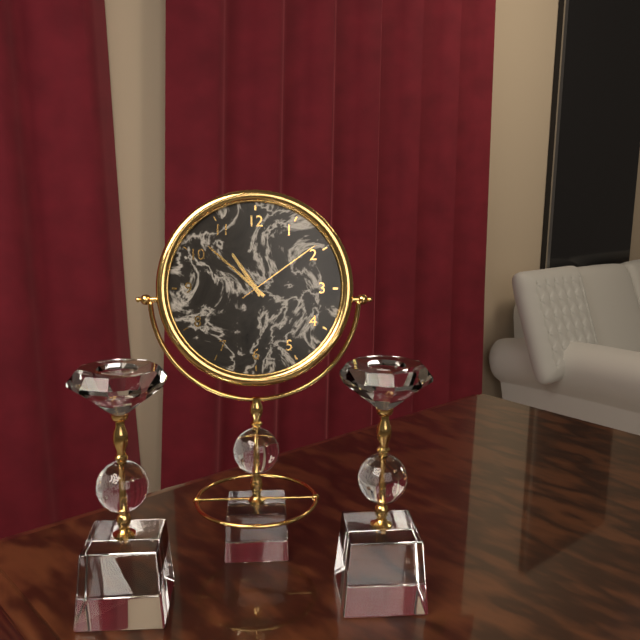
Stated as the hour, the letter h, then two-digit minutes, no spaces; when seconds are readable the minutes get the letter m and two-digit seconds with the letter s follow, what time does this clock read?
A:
10h52m09s
